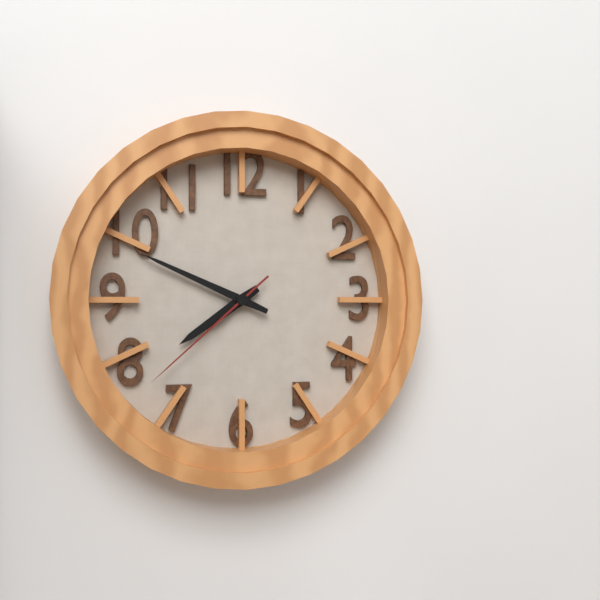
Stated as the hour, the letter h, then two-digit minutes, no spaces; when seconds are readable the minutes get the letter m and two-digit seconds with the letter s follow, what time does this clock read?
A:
7h49m38s
